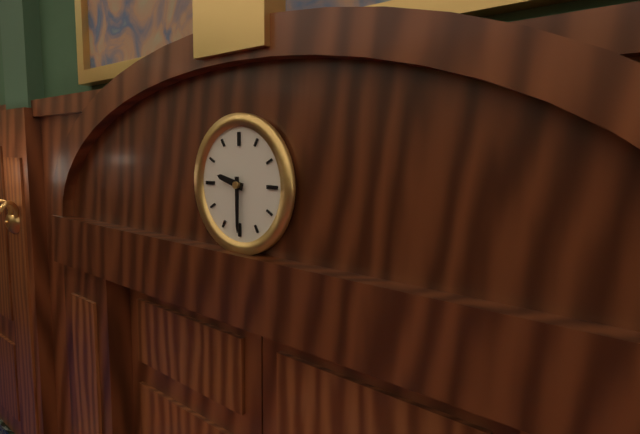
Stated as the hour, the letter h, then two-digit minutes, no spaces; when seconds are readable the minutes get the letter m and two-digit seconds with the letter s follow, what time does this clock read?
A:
9h30
